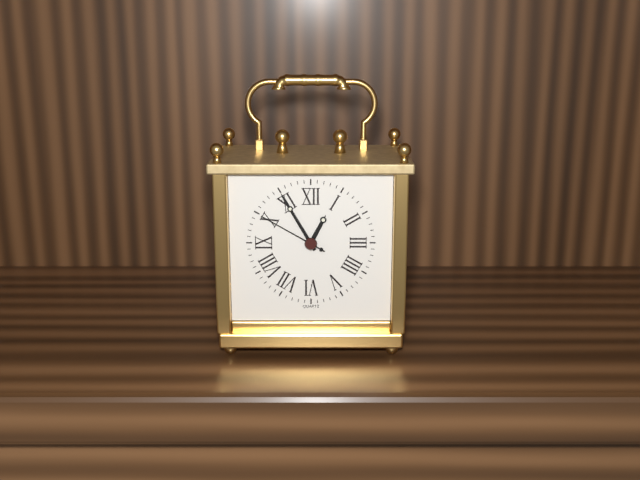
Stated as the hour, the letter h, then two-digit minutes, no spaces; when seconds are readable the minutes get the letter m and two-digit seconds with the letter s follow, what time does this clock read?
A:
12h55m50s
